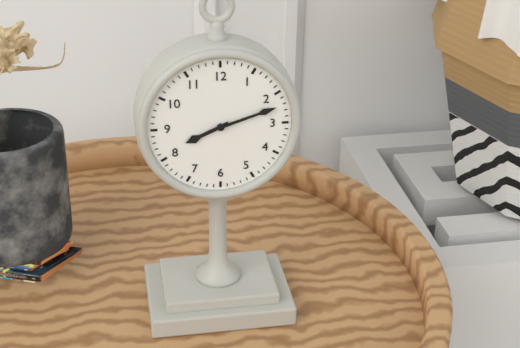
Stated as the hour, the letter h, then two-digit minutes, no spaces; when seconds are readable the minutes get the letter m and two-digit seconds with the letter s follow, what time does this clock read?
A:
8h12
